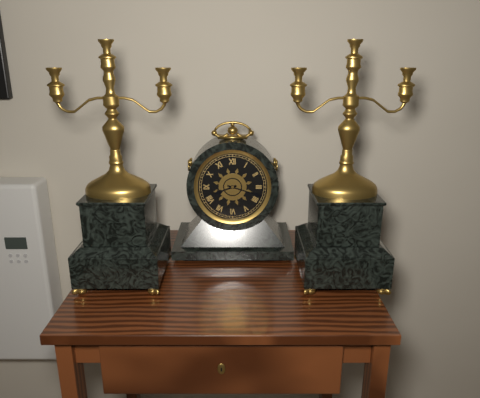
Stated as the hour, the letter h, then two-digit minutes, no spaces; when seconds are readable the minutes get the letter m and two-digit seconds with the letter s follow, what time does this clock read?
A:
8h18
